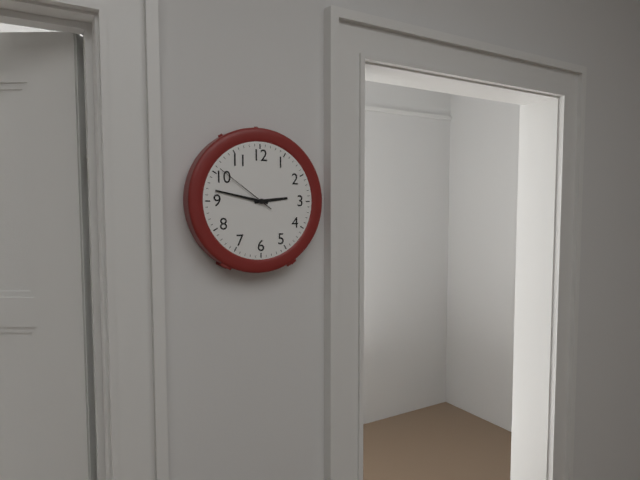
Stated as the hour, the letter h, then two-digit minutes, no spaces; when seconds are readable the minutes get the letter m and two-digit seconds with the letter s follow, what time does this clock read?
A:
2h47m51s
